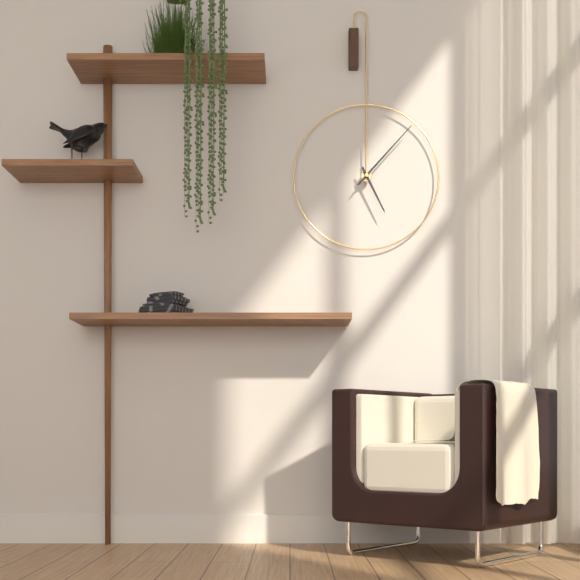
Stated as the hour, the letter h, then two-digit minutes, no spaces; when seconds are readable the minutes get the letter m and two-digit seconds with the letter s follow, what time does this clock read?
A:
5h07
